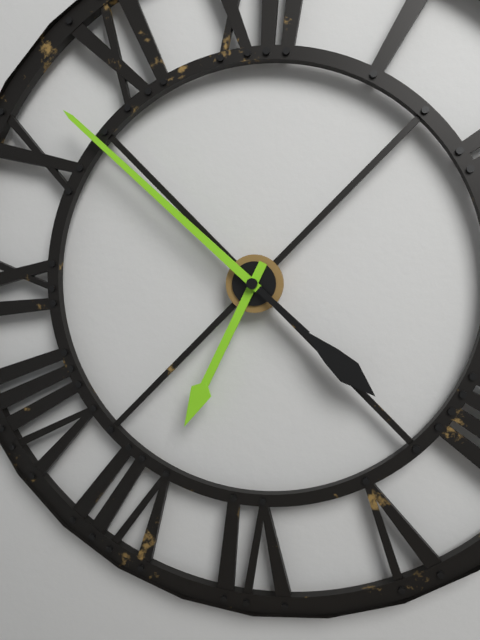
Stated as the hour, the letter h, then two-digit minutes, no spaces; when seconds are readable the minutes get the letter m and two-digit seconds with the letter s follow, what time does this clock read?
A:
6h52
